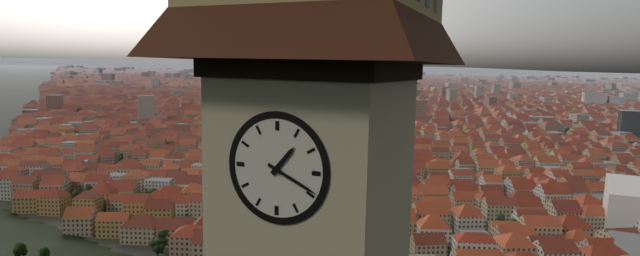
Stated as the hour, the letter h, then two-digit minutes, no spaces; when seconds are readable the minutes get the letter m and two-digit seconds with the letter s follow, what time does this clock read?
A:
1h19
